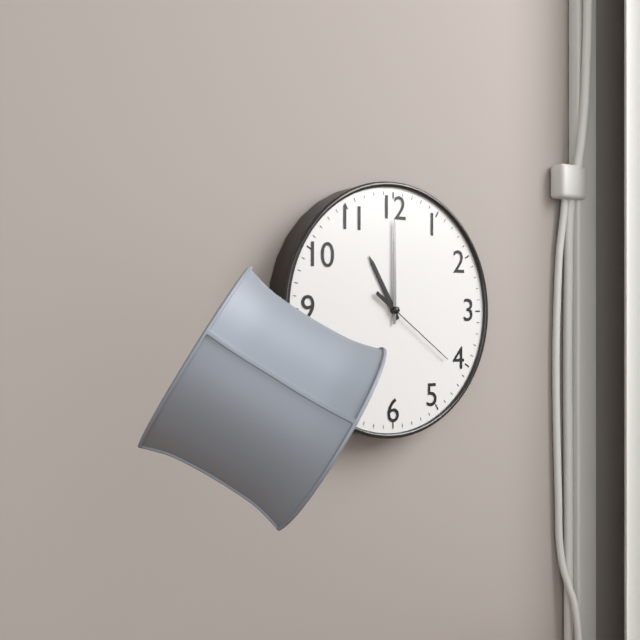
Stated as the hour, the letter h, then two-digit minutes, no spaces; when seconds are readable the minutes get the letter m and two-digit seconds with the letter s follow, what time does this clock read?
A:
11h00m21s
